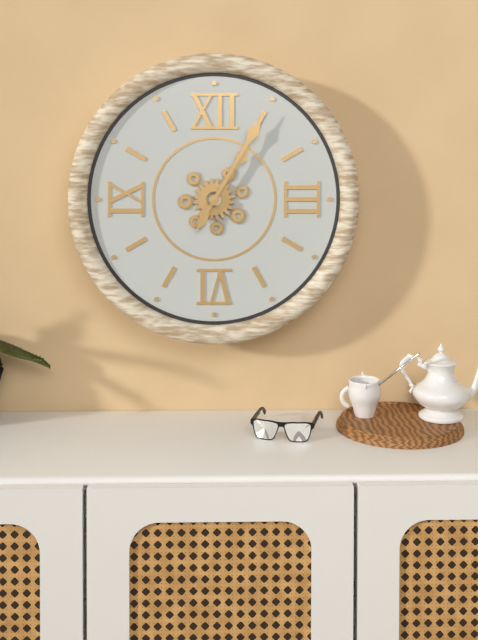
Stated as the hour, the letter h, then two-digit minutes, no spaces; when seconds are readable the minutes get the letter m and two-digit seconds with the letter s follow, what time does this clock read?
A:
1h05
